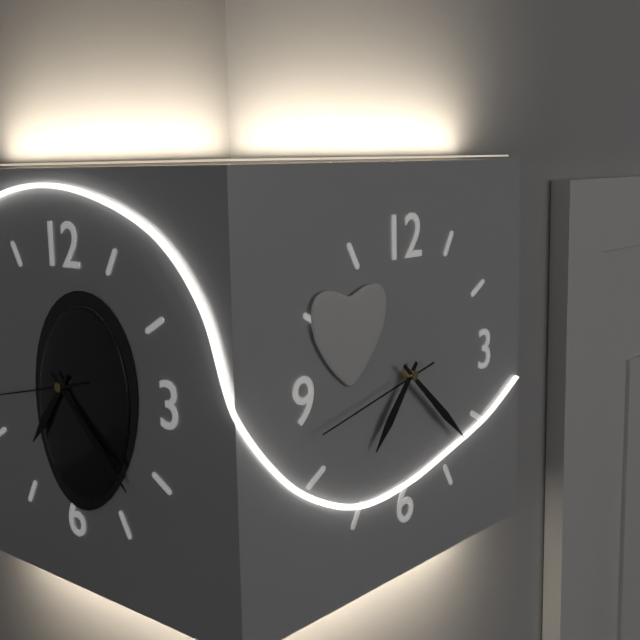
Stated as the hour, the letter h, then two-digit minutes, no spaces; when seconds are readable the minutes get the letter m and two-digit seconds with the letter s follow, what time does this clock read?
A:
7h22m43s
